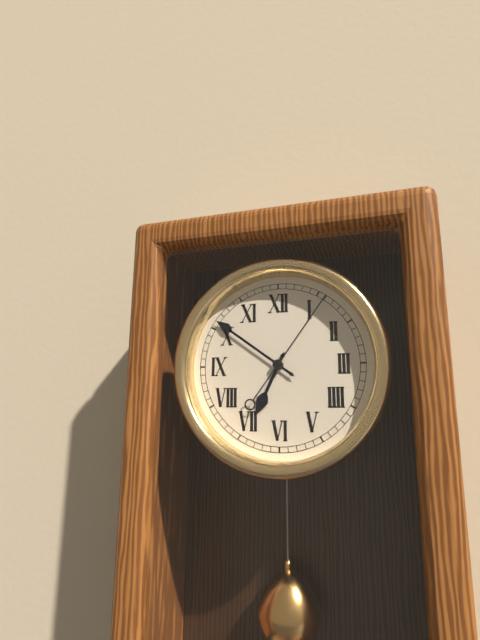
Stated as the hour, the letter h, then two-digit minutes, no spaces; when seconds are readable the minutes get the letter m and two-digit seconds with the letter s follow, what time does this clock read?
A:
6h51m06s
